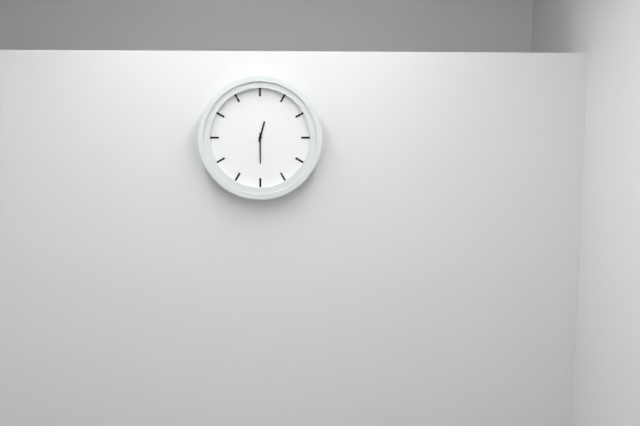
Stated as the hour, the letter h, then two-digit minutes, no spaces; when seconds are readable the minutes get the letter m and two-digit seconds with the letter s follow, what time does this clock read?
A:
12h30
